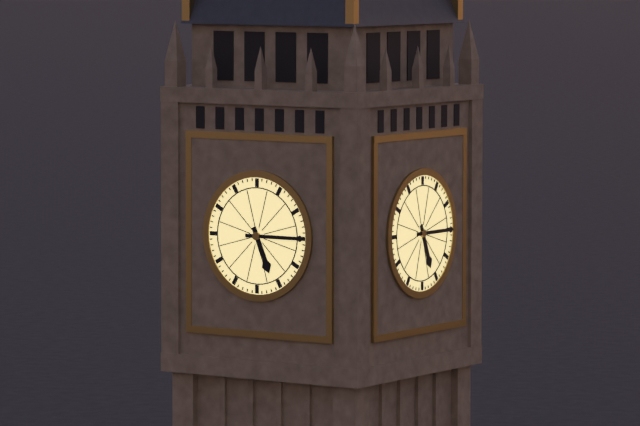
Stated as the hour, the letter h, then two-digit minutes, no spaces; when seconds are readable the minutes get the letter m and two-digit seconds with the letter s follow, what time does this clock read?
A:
5h15
